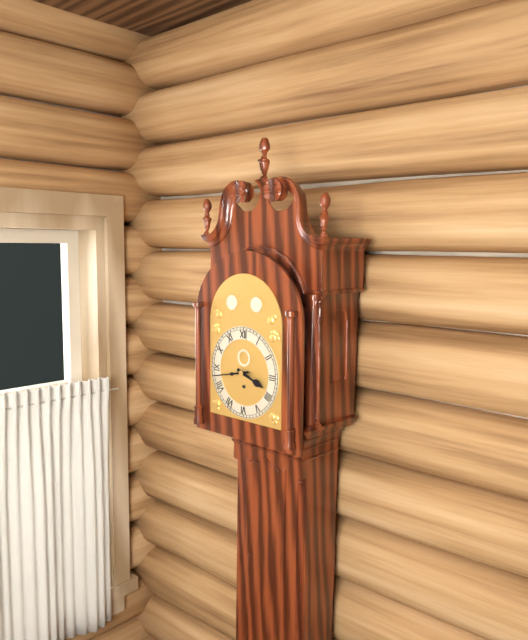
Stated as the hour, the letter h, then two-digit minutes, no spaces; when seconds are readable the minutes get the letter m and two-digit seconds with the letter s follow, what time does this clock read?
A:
3h43
